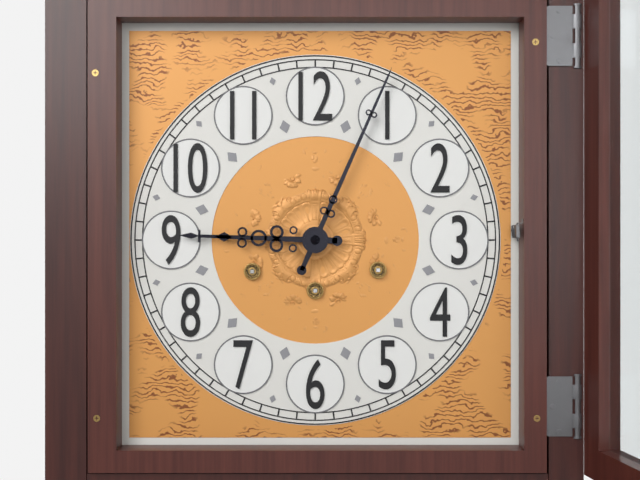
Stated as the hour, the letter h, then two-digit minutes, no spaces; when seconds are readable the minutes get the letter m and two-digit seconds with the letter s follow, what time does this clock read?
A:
9h04
